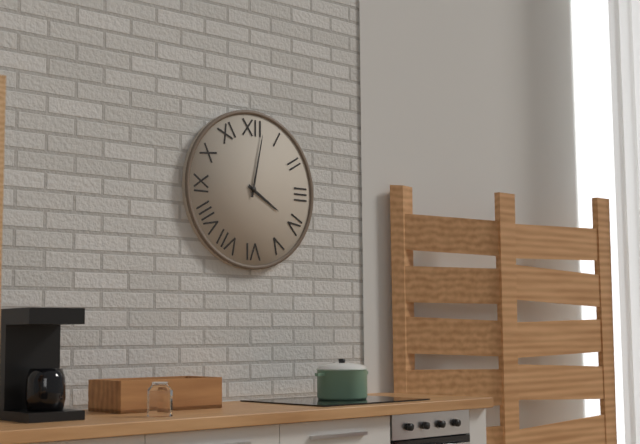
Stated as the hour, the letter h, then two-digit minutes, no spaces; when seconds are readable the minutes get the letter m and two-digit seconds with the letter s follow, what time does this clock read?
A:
4h02
